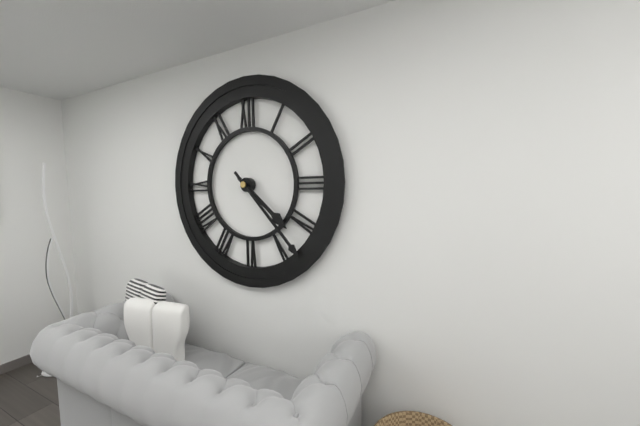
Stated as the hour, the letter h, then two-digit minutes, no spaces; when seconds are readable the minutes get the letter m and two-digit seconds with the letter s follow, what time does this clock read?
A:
4h23
